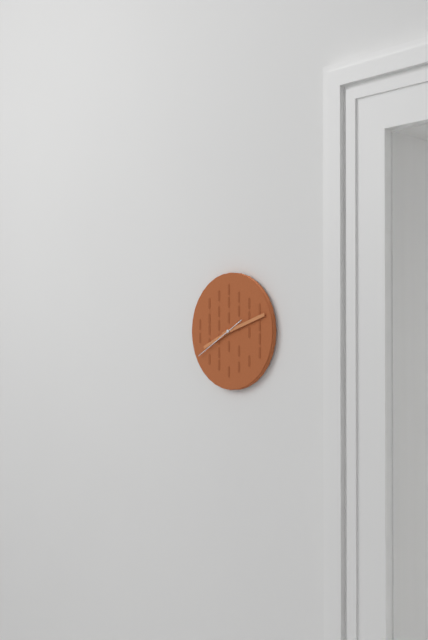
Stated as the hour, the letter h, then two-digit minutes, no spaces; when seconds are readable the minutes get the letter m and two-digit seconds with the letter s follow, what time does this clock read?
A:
8h12m40s
